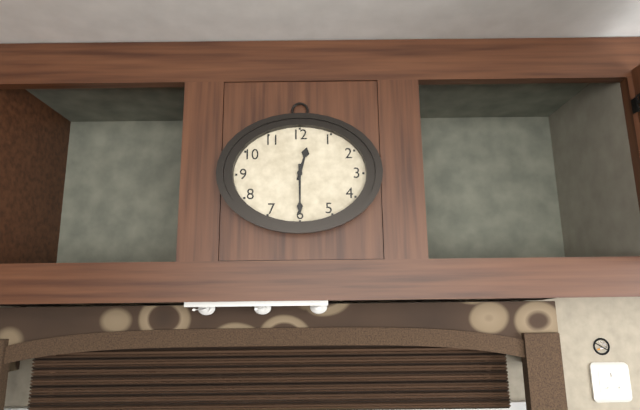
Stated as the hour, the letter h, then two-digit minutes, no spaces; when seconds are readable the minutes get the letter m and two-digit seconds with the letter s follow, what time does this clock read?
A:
12h30
